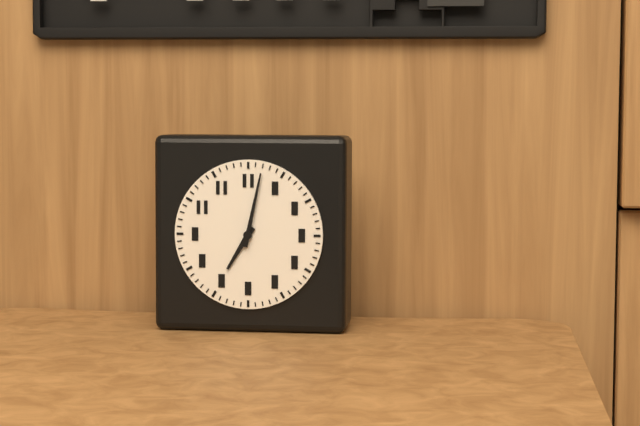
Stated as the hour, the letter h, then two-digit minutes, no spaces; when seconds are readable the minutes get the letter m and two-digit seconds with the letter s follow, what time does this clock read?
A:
7h02
